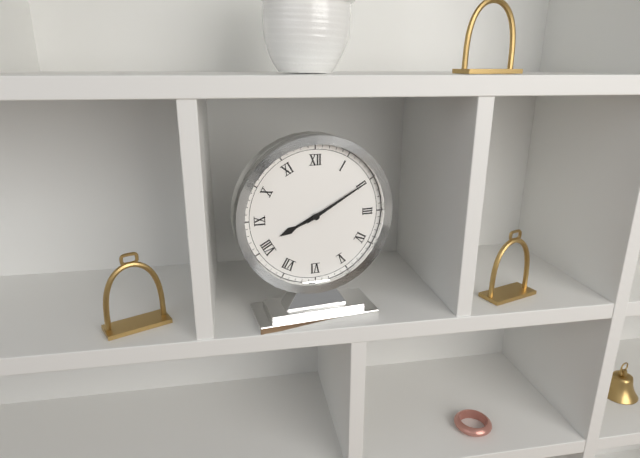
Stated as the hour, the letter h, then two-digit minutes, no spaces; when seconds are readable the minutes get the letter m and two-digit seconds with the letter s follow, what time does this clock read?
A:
8h10
